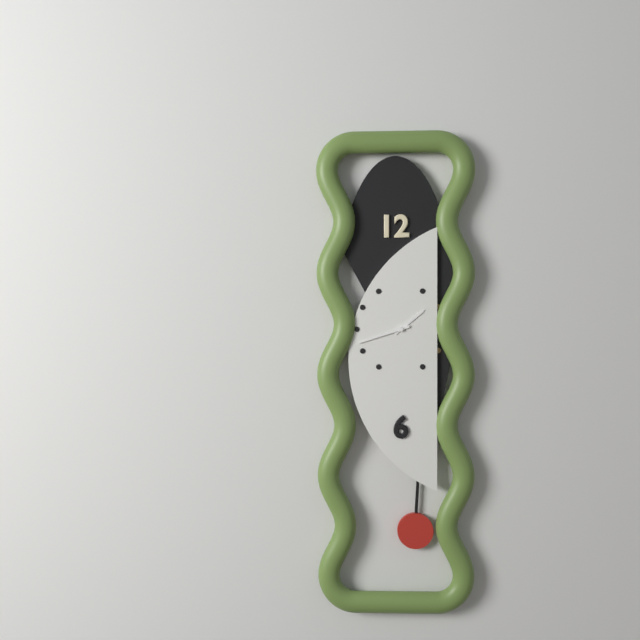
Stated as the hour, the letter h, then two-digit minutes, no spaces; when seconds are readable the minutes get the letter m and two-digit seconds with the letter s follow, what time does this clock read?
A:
1h42
